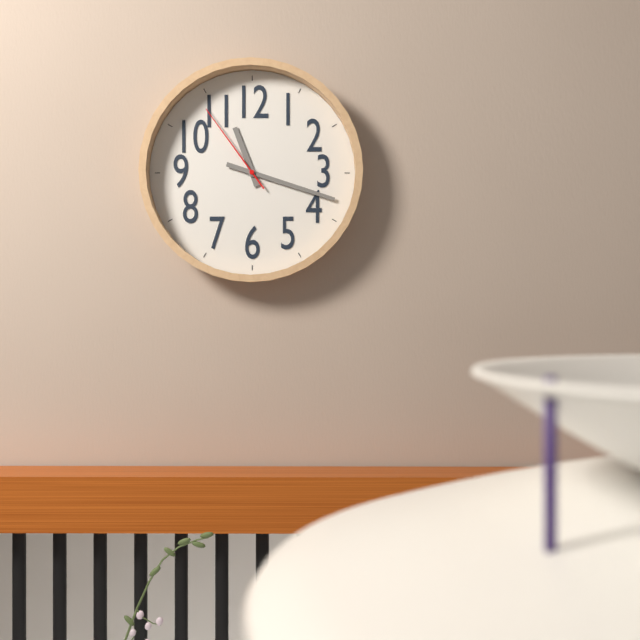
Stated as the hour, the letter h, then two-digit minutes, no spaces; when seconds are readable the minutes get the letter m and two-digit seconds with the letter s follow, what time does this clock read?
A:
11h18m54s
